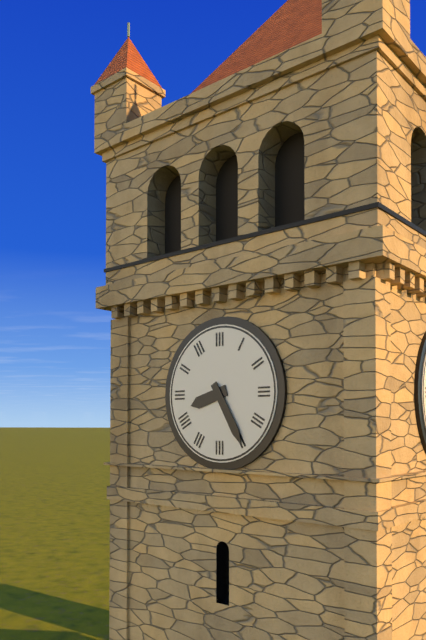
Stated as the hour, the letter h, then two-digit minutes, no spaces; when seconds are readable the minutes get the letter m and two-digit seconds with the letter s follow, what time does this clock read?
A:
8h25
